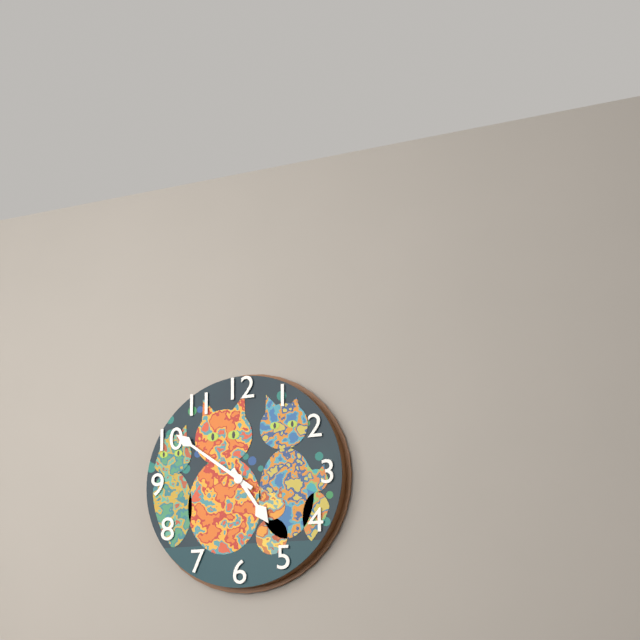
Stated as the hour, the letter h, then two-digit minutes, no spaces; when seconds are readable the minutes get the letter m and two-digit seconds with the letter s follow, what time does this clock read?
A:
4h51
